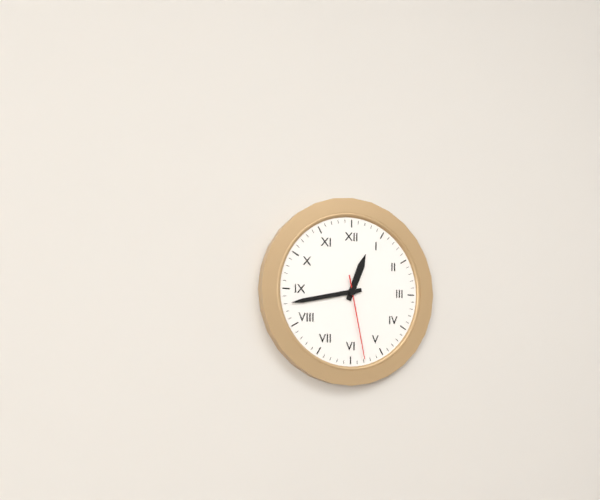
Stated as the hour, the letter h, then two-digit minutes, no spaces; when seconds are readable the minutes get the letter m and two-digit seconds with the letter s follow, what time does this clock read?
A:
12h43m28s
